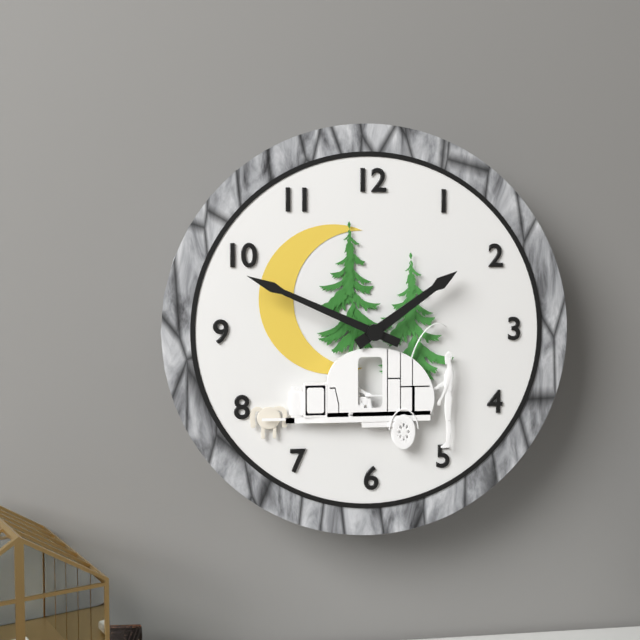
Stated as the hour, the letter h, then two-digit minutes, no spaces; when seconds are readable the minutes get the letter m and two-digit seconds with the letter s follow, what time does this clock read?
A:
1h49
